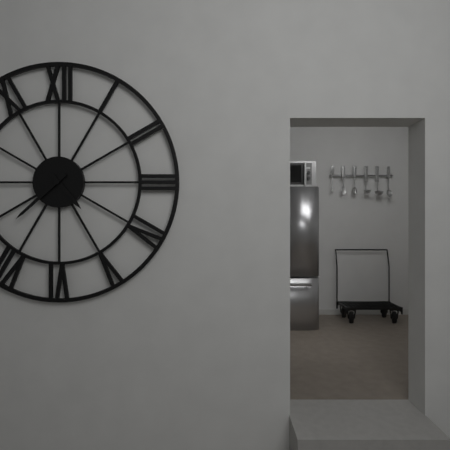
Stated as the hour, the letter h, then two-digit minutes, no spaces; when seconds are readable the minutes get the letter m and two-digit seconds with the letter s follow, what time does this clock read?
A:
4h38
